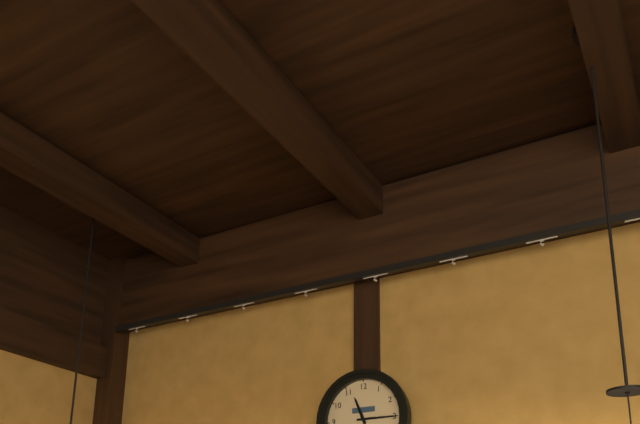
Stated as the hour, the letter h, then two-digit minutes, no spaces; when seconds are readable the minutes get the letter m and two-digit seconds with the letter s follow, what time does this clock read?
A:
11h15
